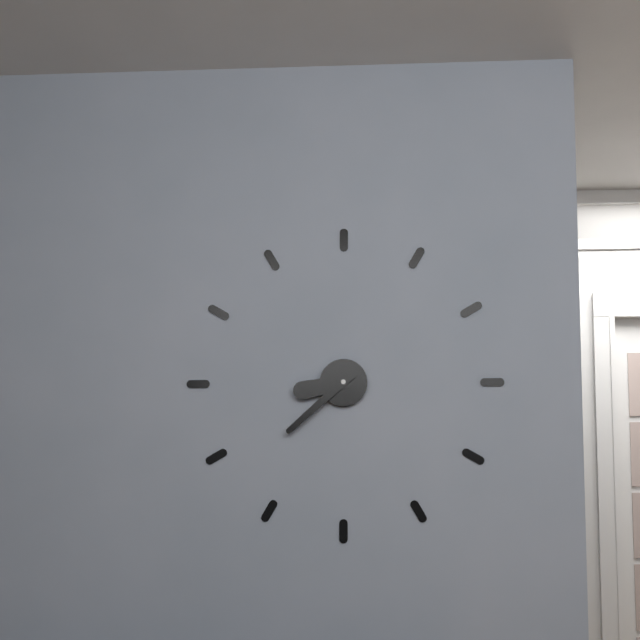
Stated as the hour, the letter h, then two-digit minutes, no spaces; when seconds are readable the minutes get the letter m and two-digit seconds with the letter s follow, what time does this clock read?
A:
8h38
